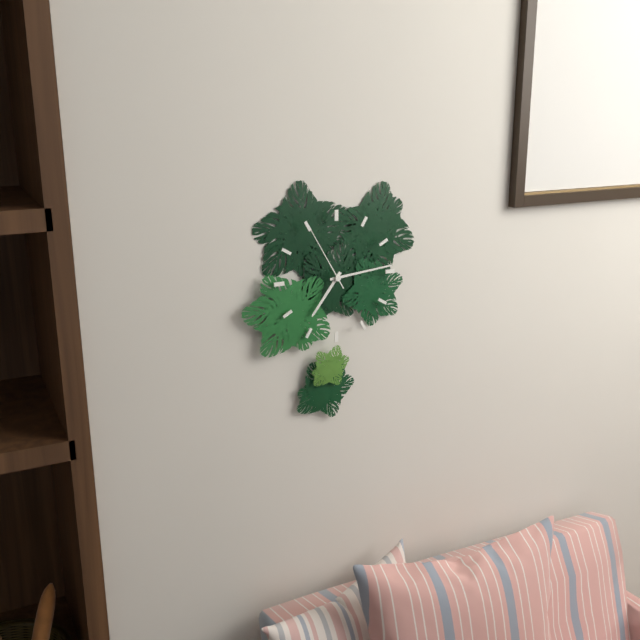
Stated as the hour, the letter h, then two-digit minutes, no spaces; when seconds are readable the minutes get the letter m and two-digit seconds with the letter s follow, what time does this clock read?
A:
7h14m55s
